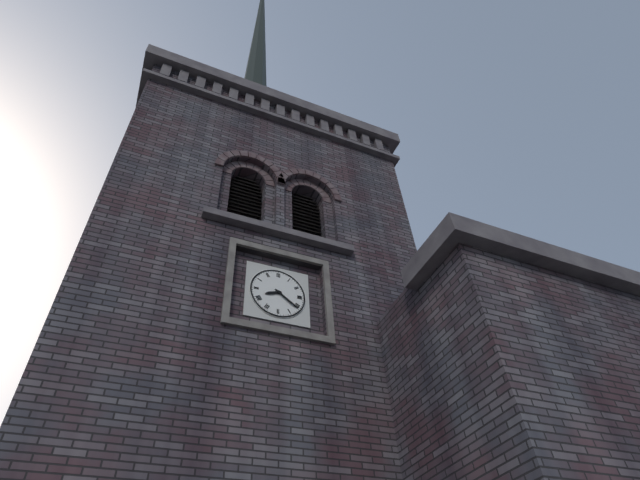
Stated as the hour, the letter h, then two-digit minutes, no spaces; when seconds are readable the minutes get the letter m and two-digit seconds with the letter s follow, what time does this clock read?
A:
8h21
